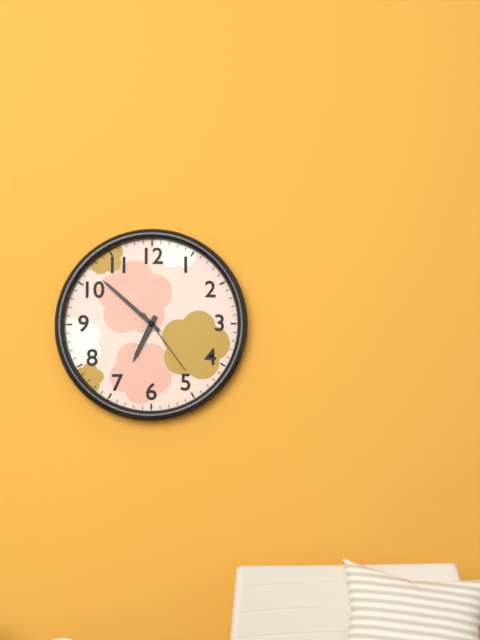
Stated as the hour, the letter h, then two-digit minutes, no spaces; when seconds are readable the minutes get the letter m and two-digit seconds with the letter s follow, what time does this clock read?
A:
6h52m24s
